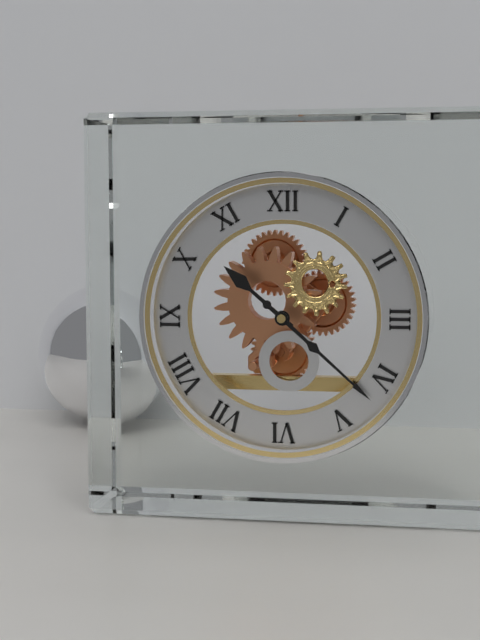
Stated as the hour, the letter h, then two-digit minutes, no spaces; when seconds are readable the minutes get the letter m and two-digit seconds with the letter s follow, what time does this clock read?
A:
10h22
